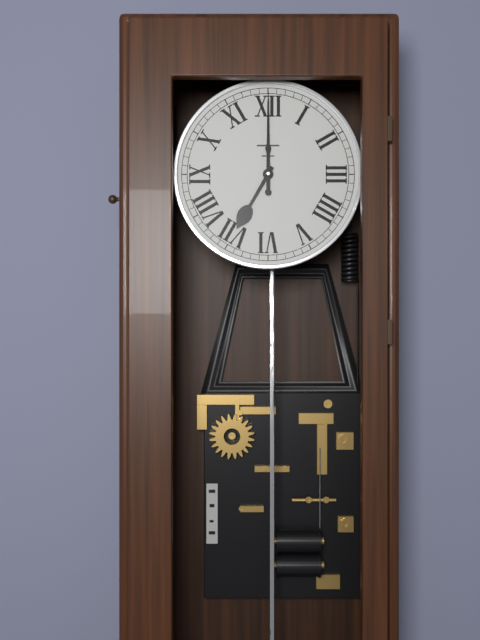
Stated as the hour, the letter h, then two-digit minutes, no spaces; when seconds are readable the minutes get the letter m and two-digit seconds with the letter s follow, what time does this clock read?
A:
7h00
